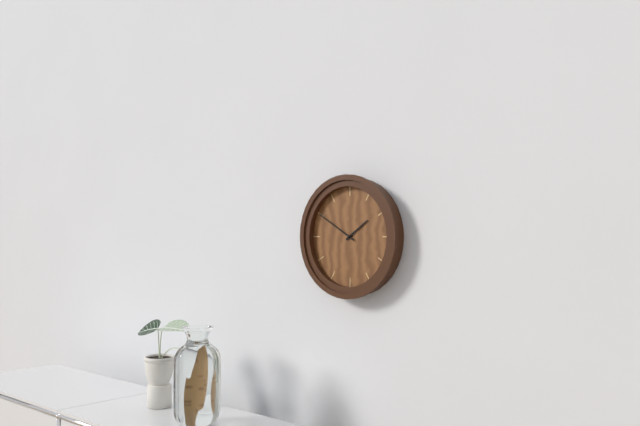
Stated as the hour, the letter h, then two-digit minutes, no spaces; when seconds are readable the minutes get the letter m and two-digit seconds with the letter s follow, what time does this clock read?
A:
1h50
